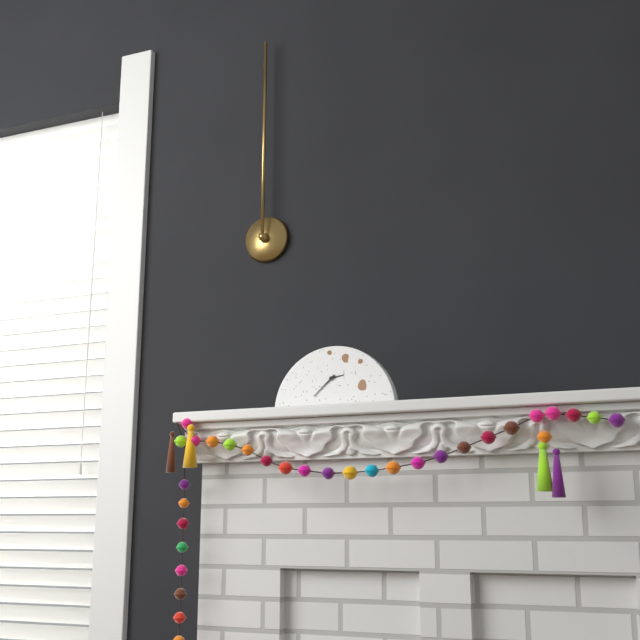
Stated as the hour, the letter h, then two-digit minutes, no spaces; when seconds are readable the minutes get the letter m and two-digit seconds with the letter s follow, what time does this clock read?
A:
2h38
